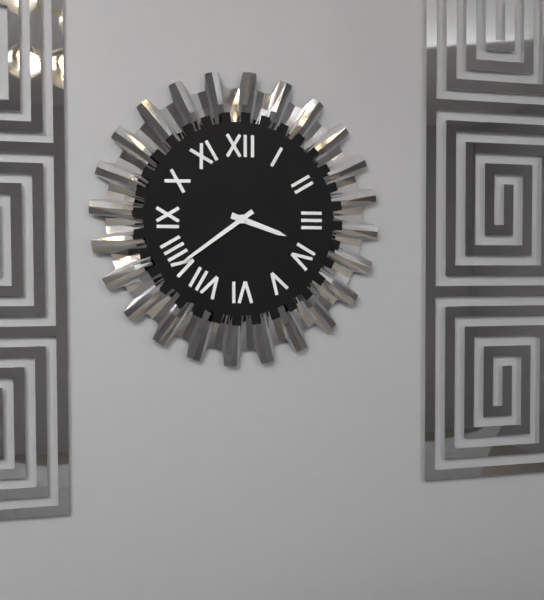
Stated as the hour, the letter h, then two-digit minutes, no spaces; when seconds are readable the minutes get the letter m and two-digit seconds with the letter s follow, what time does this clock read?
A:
3h39
